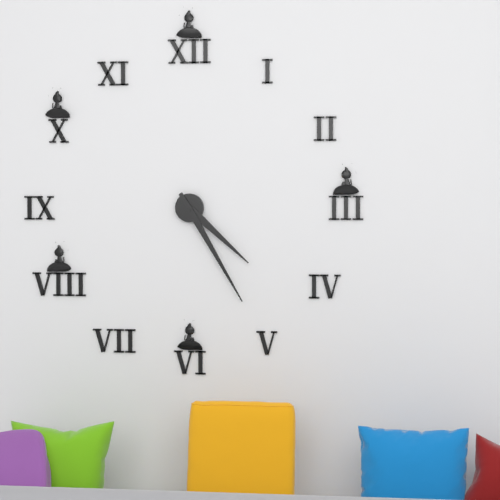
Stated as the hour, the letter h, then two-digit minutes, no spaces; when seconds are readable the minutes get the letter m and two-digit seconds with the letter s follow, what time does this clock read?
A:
4h25
